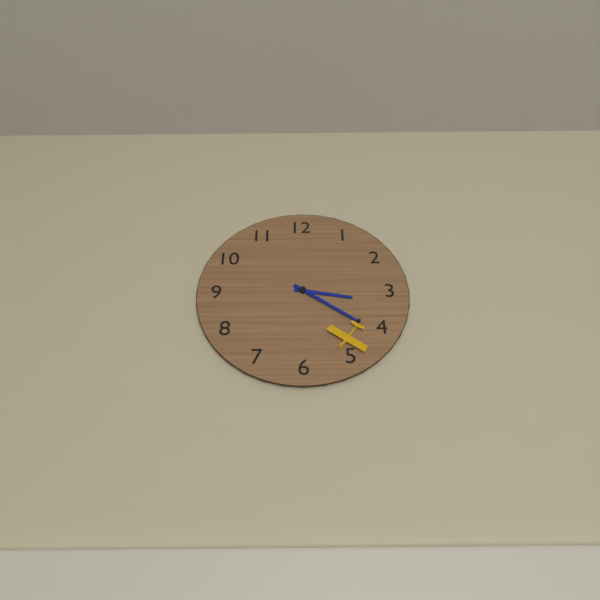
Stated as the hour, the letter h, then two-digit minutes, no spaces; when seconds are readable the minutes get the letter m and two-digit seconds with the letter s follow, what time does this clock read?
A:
3h21
